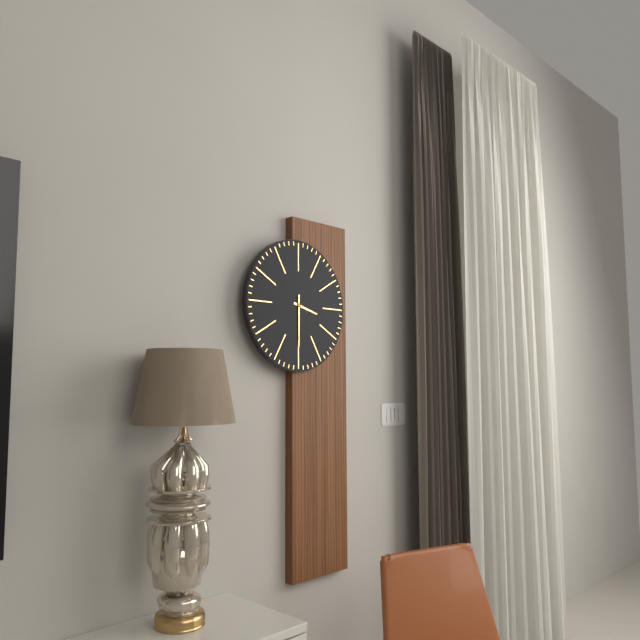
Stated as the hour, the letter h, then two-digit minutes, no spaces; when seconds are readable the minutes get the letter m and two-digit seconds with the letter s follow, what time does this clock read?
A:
3h30
